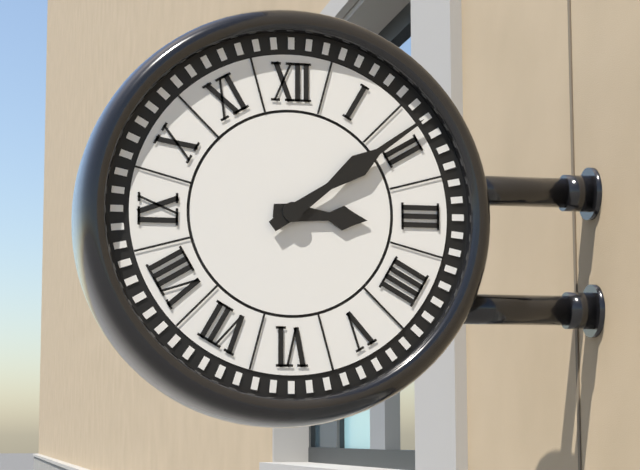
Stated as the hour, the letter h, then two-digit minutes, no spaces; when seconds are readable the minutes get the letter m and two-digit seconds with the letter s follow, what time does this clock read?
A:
3h09
